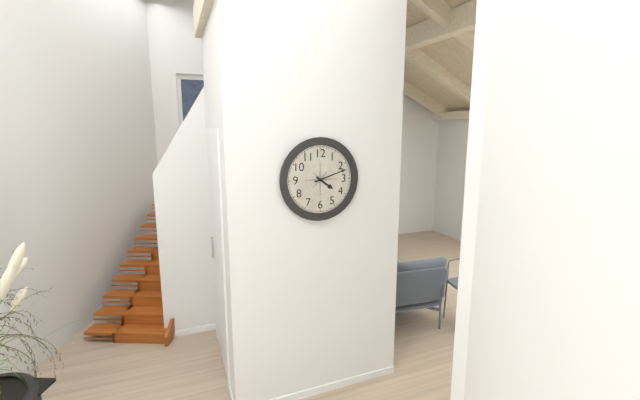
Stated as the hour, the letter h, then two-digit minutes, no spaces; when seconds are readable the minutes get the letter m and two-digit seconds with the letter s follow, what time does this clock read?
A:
4h12
